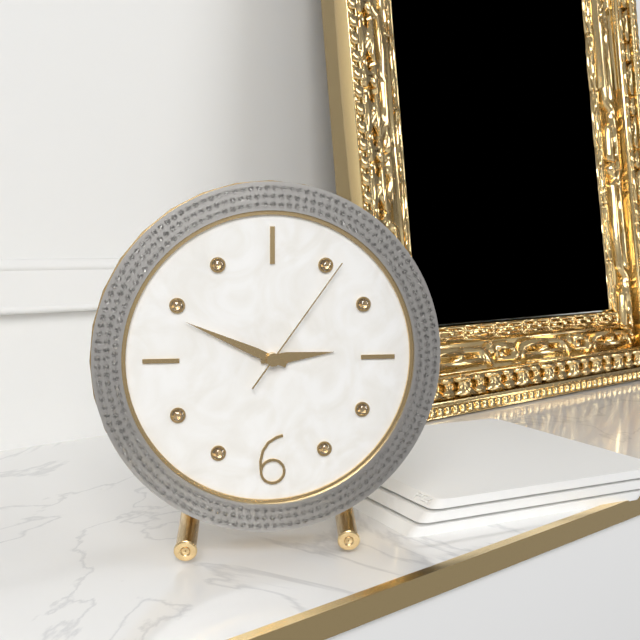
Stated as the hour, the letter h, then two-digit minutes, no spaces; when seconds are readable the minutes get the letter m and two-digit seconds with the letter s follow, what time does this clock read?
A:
2h49m06s
